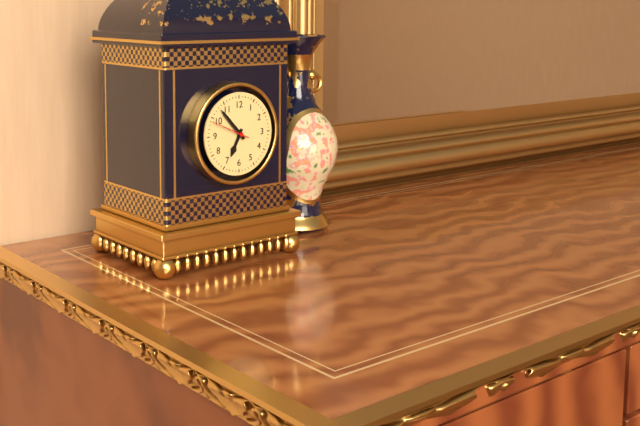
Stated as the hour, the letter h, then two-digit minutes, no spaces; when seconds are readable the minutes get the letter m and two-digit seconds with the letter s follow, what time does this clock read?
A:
6h53
